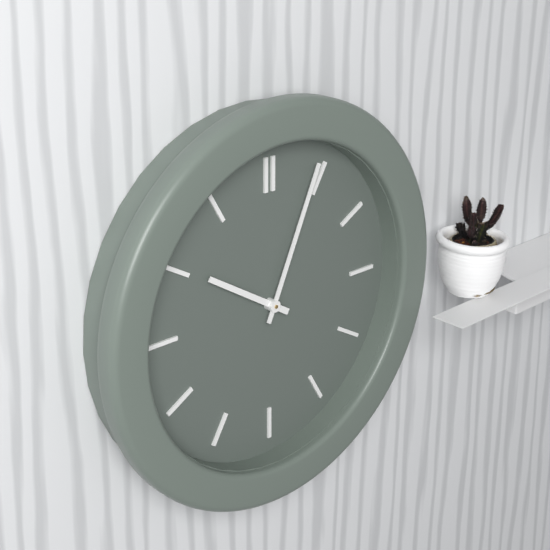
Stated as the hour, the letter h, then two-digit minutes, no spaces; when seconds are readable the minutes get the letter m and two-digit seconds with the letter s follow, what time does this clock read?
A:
10h04
